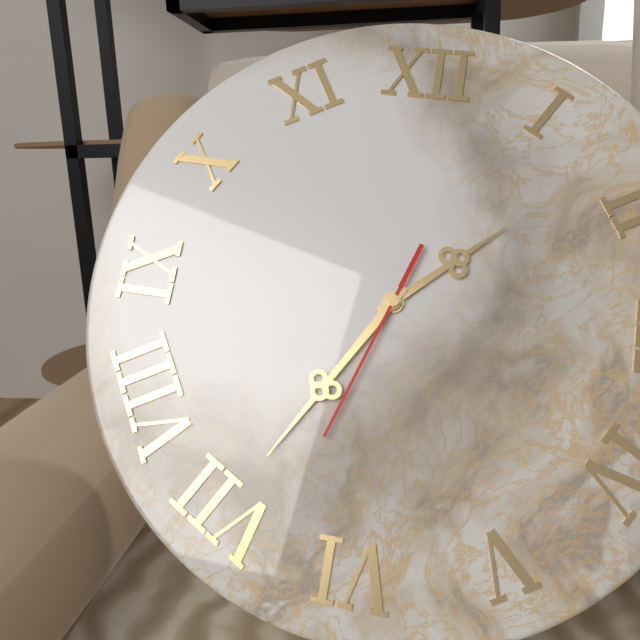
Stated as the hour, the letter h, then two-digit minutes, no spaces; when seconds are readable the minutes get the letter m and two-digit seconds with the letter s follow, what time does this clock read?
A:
1h35m33s
